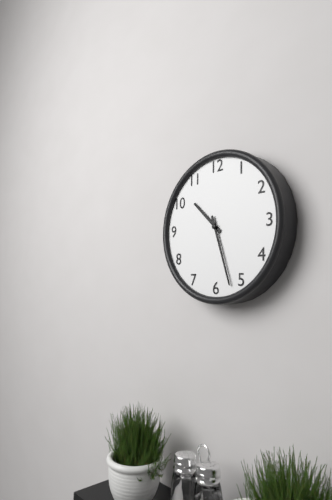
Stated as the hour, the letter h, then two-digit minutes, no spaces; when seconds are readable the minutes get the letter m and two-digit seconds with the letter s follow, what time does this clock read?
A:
10h27
